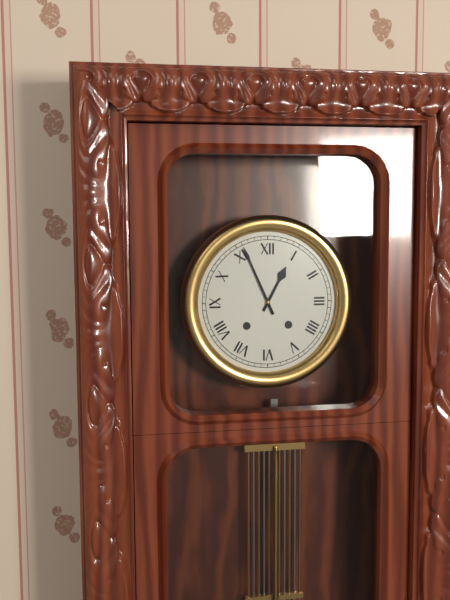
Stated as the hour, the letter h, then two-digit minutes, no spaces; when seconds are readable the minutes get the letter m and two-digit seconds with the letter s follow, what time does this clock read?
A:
12h56
